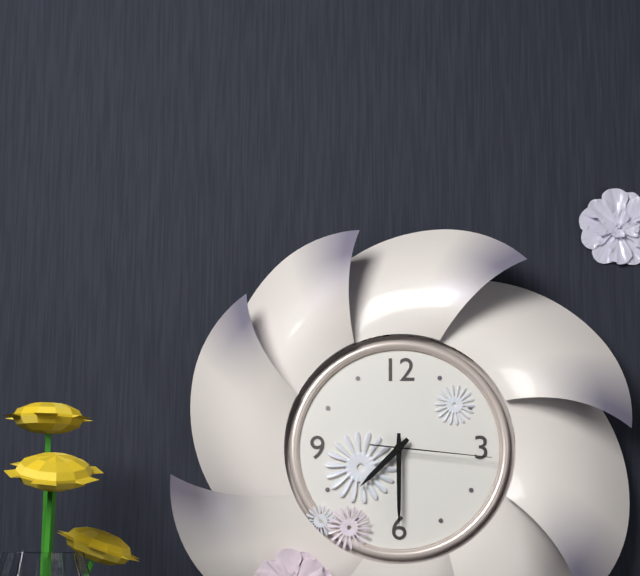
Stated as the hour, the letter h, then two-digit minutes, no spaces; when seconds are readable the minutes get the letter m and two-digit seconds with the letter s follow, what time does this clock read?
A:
7h30m16s
